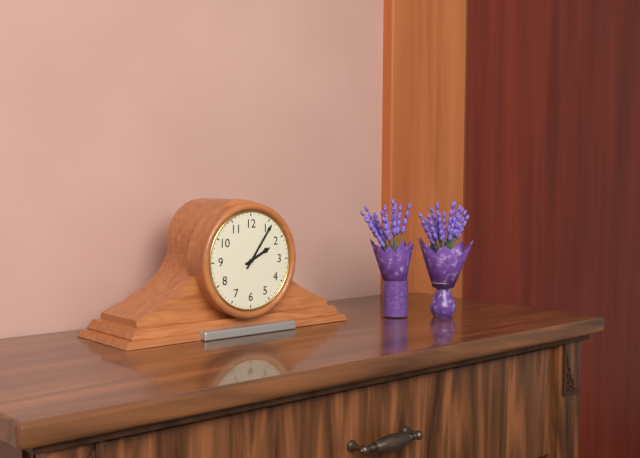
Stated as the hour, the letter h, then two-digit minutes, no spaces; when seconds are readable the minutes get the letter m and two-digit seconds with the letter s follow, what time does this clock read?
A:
2h06
